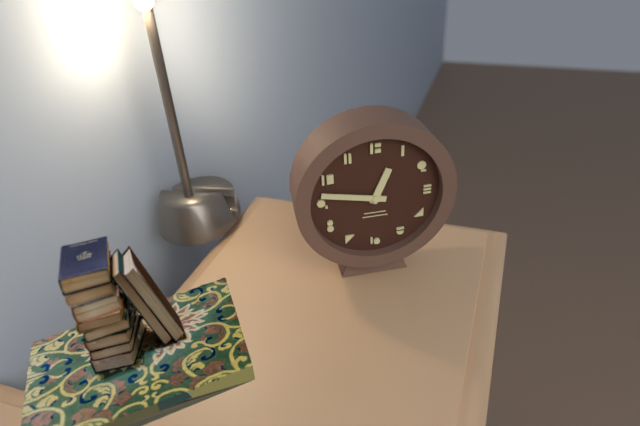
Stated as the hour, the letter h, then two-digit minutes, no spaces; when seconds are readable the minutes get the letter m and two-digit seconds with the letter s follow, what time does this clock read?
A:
12h47
